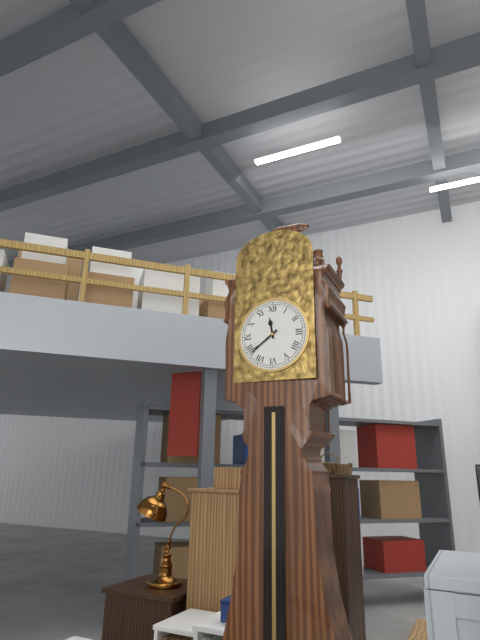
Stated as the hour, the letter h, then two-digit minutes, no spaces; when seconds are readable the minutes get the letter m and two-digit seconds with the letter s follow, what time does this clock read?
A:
11h39
